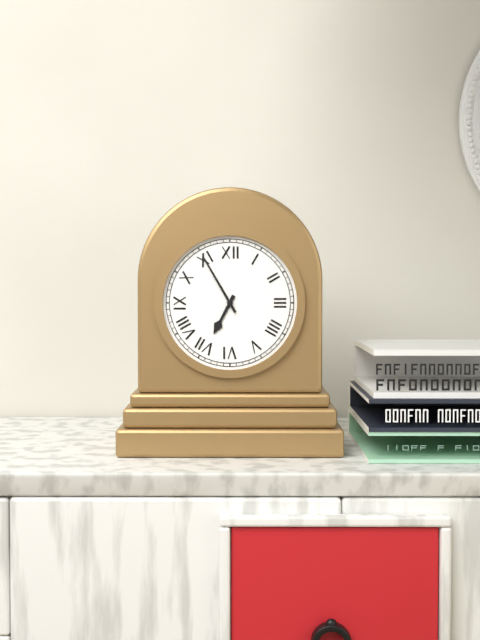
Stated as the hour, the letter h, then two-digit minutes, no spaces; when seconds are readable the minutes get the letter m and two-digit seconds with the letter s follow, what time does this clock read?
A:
6h55
